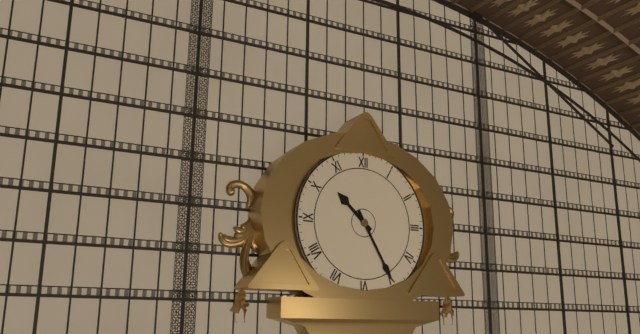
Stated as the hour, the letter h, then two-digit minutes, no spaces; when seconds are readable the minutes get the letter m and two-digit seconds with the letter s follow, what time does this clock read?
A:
10h25
